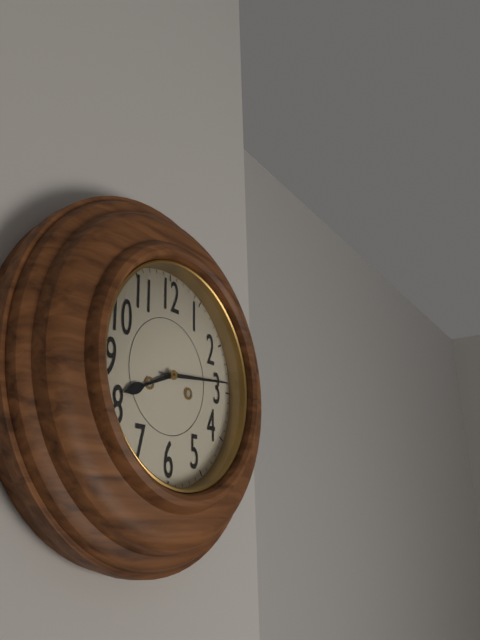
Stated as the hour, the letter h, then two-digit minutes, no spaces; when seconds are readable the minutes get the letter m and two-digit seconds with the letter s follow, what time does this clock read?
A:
8h14
